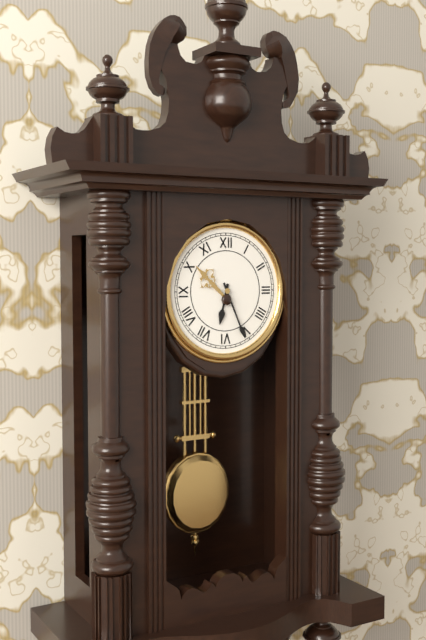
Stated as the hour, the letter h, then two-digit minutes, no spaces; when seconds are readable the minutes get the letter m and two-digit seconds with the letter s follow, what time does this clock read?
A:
6h26
